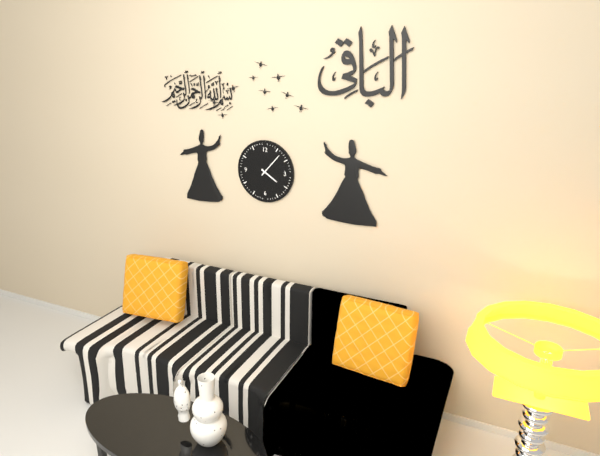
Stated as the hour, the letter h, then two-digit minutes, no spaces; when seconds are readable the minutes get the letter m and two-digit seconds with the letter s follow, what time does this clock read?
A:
4h07
